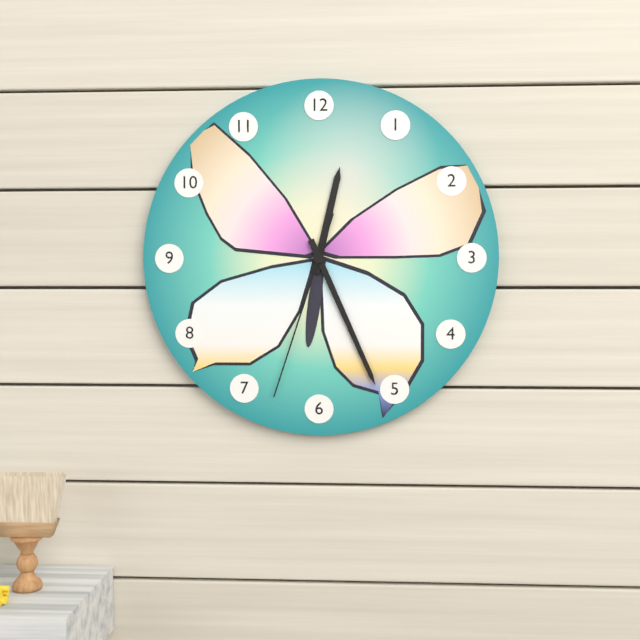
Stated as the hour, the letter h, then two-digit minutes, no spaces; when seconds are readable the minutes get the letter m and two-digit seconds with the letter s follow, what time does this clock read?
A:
12h26m33s
